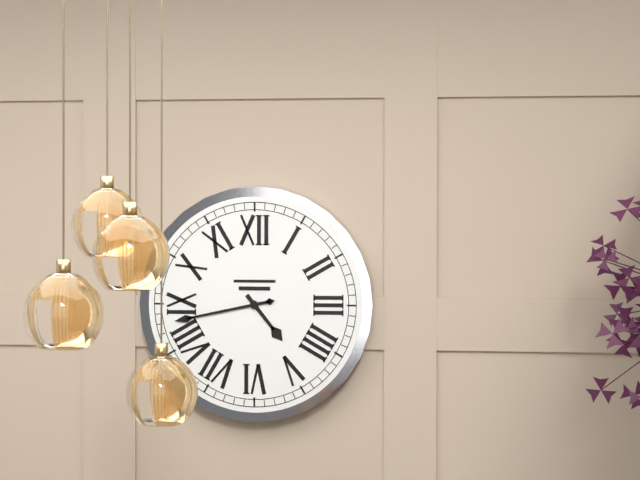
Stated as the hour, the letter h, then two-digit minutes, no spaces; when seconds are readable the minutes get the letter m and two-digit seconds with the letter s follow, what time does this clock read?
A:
4h43
